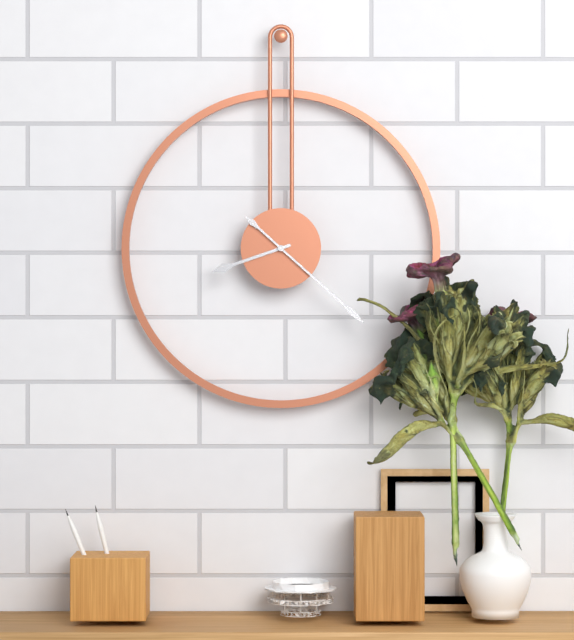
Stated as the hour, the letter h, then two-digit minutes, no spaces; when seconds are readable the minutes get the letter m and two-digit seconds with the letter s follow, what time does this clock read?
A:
8h22
